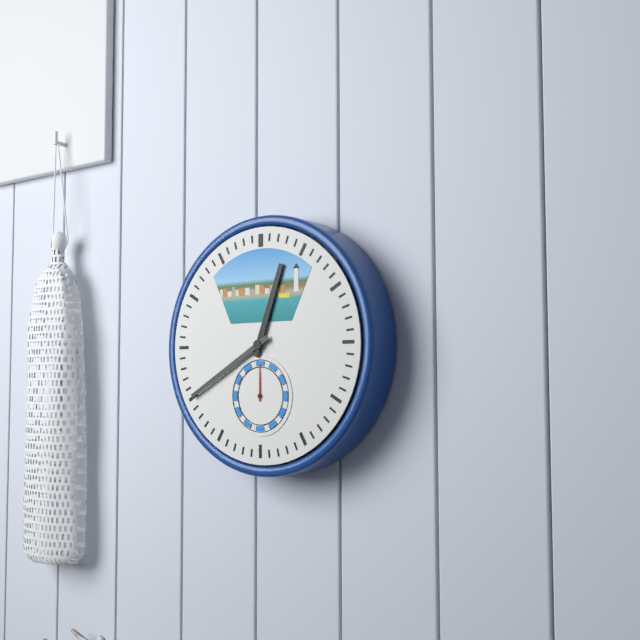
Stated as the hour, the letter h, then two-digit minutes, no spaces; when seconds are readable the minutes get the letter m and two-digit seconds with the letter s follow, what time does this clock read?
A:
12h40
